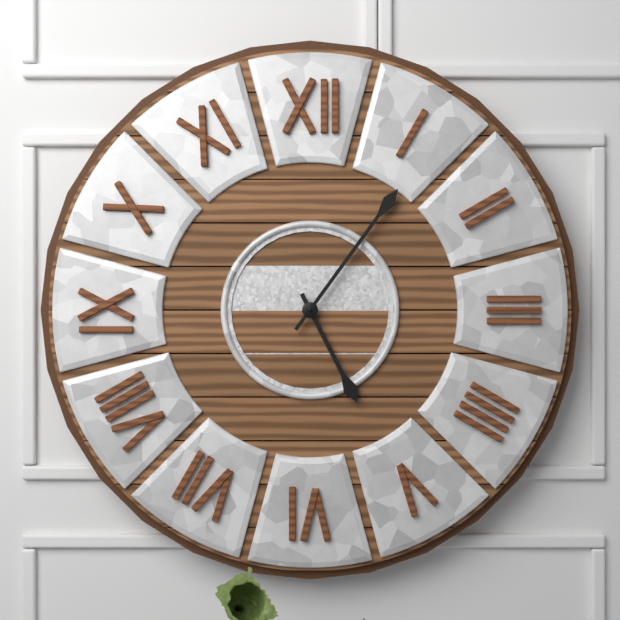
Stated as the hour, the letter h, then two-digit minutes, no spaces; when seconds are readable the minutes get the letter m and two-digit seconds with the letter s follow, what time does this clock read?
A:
5h06
